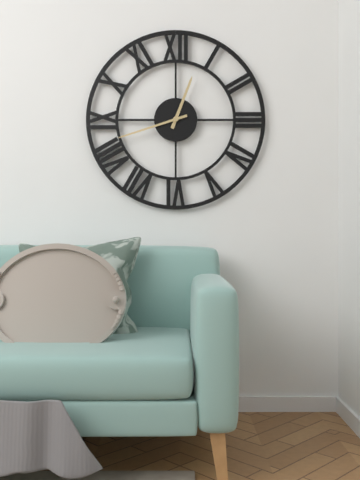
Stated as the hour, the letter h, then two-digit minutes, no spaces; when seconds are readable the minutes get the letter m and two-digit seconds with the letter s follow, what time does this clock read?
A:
12h42
